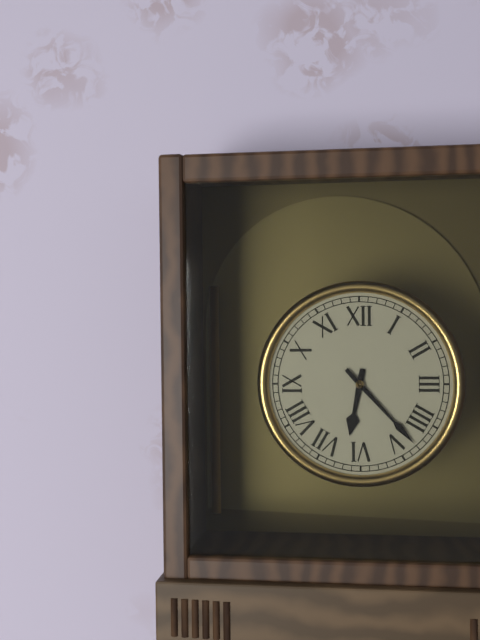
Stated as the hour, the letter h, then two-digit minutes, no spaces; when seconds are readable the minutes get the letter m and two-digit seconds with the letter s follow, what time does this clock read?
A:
6h23
